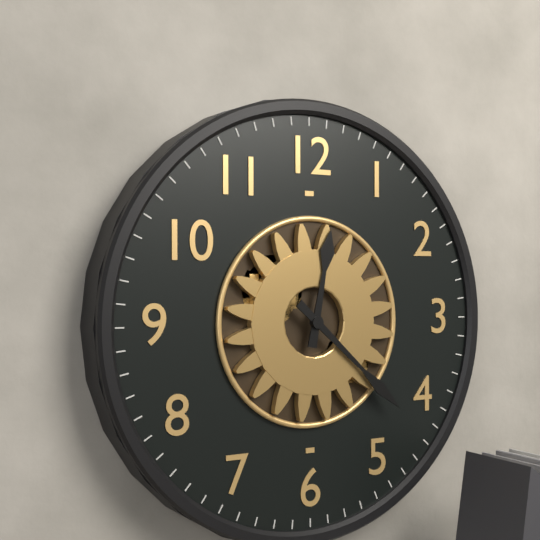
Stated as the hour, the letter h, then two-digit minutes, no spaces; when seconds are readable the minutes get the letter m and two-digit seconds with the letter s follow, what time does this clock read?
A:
12h22
